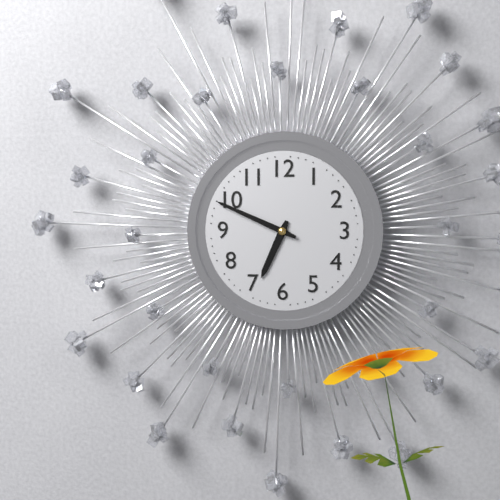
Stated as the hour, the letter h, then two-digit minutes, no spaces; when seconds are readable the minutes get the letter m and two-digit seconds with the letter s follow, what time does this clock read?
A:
6h49
